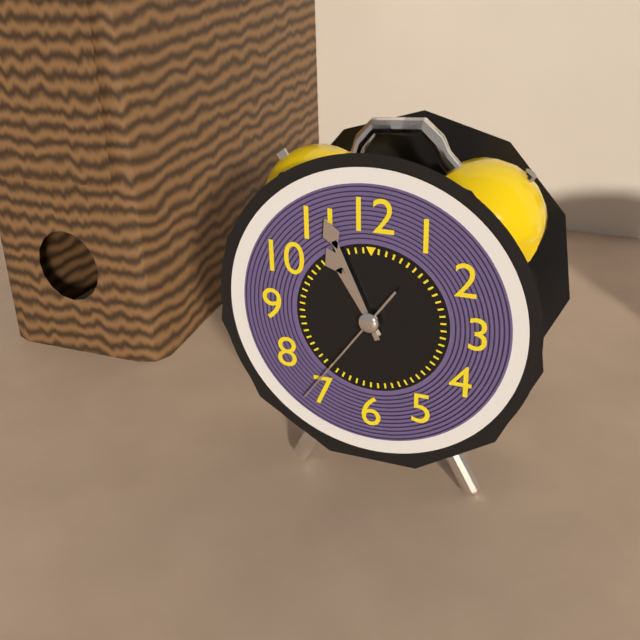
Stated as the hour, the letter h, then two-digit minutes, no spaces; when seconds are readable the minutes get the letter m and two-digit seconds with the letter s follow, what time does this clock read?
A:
10h56m36s
